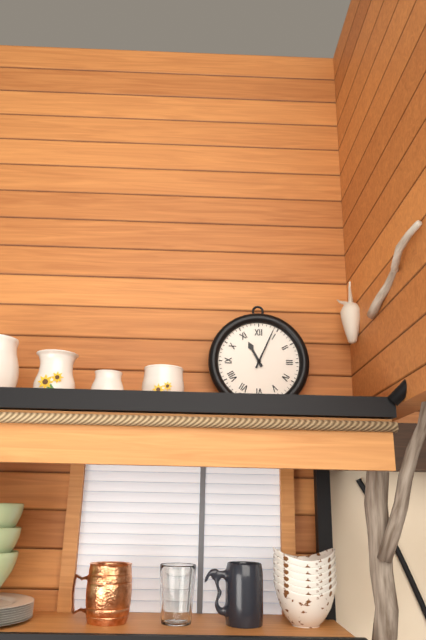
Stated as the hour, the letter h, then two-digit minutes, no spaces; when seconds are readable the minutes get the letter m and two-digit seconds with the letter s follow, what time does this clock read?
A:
11h04
